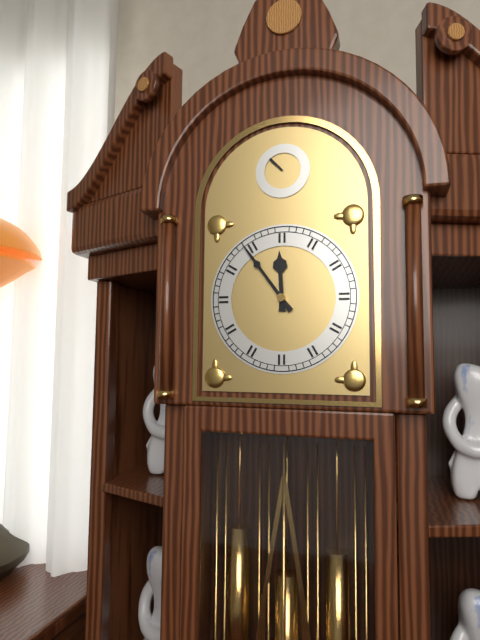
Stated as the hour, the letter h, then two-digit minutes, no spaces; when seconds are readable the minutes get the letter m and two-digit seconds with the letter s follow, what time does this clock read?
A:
11h54
